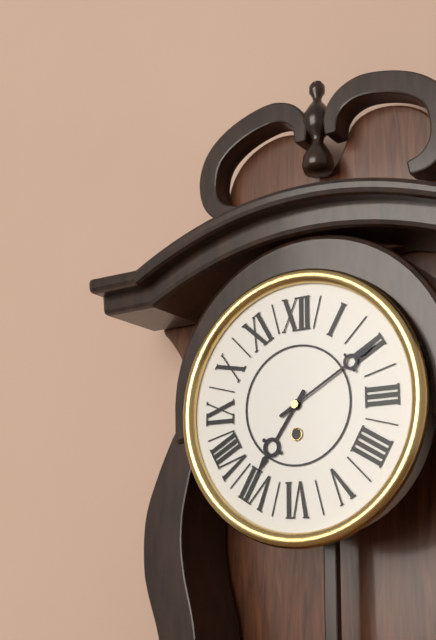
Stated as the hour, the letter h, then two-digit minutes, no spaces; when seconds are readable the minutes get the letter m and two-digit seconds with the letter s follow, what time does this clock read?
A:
7h10
